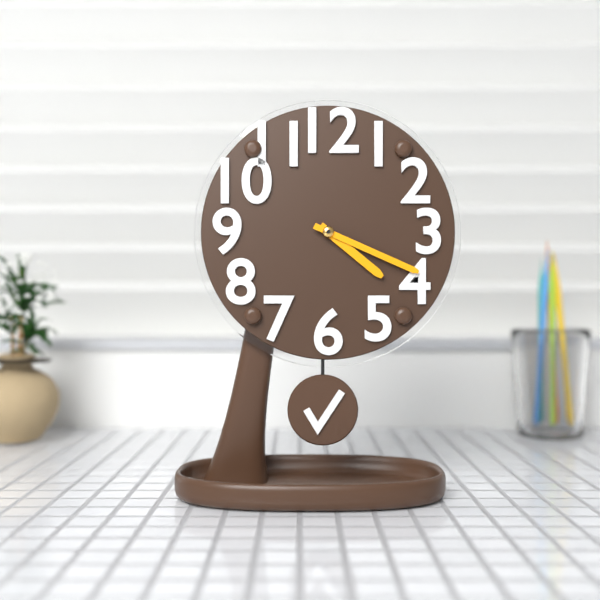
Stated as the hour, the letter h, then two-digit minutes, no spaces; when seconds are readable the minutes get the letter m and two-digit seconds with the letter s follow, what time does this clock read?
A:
4h19
